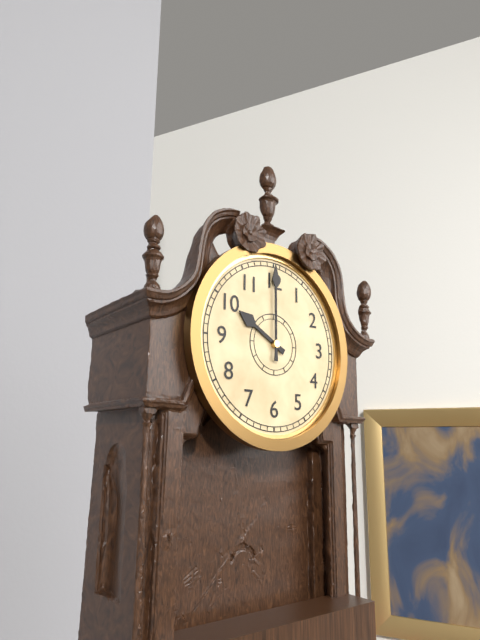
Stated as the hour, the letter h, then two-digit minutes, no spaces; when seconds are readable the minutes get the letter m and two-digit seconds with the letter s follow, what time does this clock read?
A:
10h00
